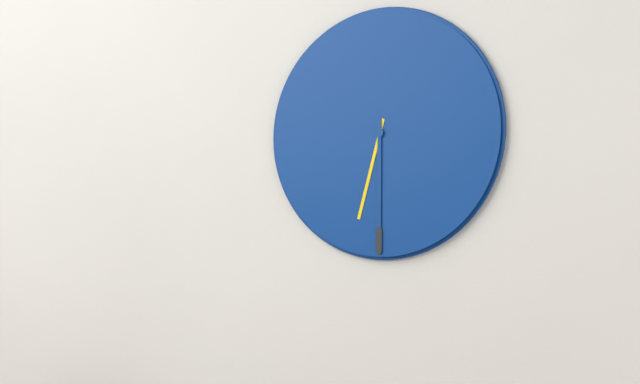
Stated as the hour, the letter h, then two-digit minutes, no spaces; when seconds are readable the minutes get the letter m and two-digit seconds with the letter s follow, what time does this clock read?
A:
6h30
